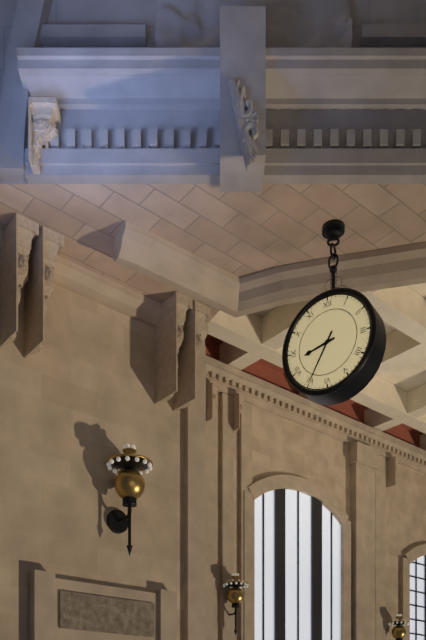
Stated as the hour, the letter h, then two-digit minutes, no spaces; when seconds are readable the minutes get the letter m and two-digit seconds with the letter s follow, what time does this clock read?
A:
8h35
